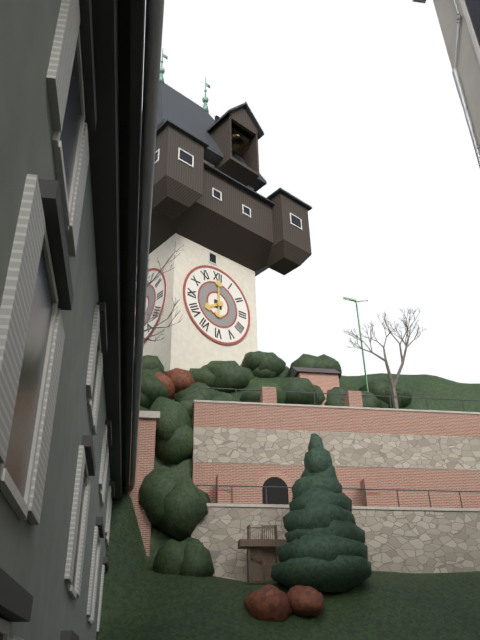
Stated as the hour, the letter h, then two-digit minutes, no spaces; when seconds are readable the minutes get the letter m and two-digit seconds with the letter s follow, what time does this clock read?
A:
8h00
